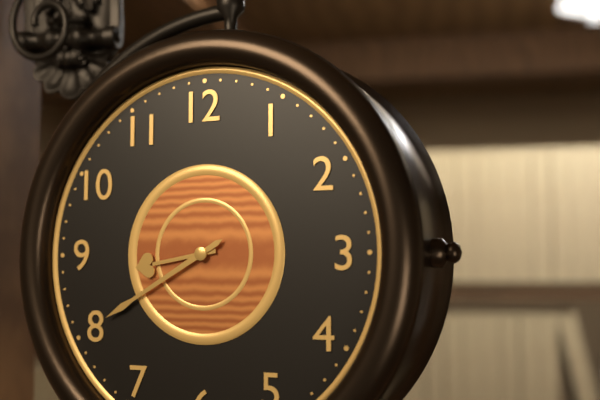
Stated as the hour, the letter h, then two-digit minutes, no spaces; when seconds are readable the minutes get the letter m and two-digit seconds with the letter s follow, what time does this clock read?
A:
8h40
